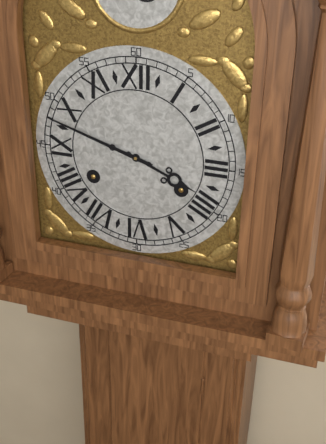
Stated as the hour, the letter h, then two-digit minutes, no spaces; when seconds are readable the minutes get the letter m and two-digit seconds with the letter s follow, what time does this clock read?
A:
3h48
